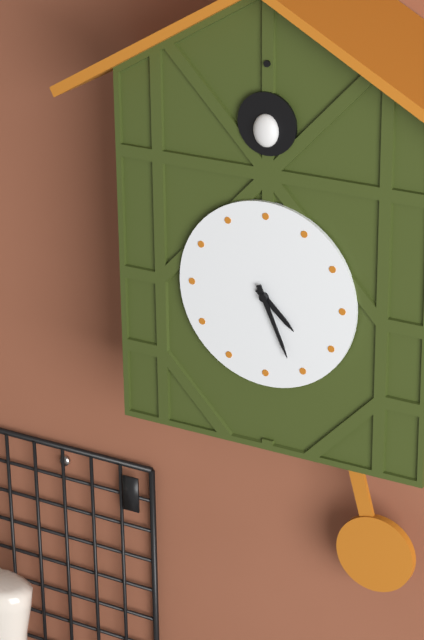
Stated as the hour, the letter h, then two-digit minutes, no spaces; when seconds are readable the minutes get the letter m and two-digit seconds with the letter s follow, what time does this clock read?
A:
4h26
